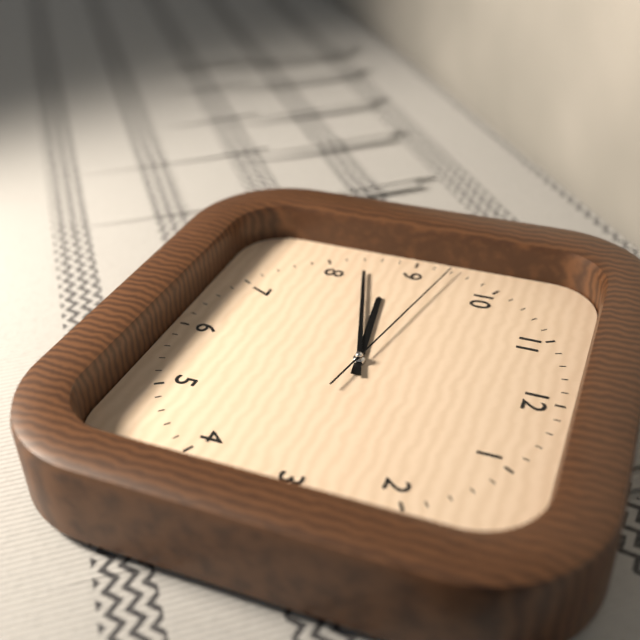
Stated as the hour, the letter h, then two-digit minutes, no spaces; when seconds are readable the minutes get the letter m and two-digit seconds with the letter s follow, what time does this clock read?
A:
8h42m47s
